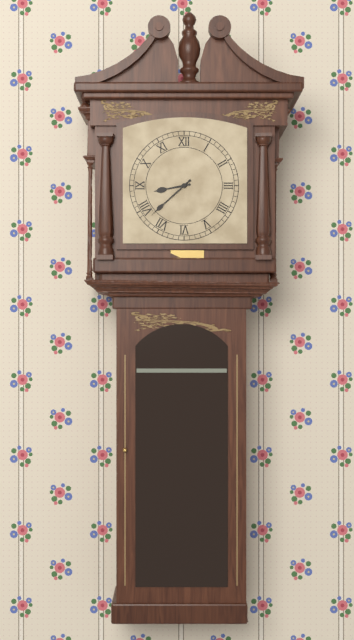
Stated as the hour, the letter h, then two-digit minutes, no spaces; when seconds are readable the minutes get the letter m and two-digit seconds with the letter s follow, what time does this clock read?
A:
8h38
